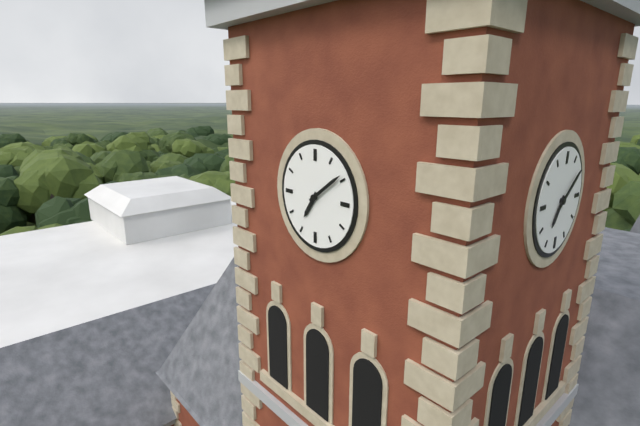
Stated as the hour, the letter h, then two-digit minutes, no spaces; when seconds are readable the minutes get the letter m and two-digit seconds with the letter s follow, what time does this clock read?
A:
7h09
